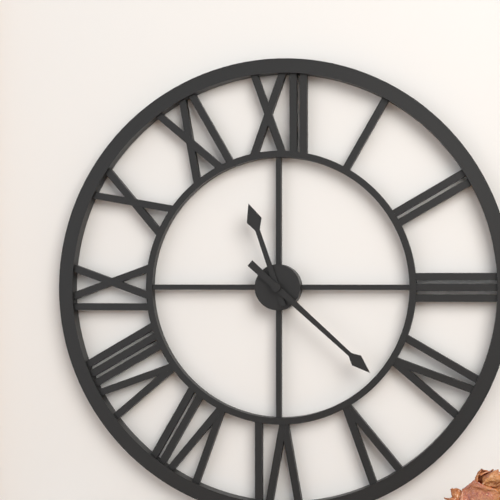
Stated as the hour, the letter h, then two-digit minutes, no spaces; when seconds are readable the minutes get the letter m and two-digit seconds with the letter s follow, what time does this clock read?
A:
11h22
